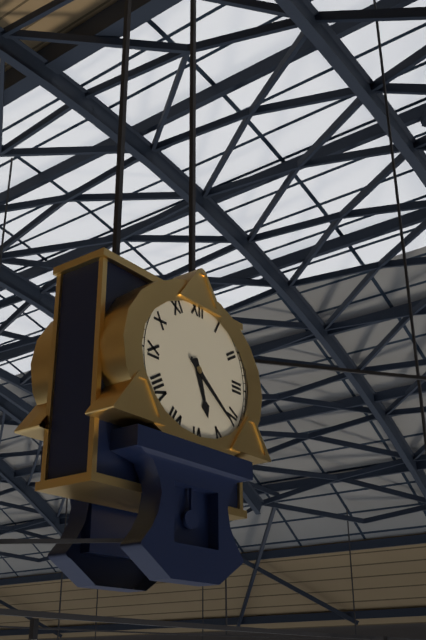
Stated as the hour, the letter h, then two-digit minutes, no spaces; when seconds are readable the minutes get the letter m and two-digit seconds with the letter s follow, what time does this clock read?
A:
5h21
